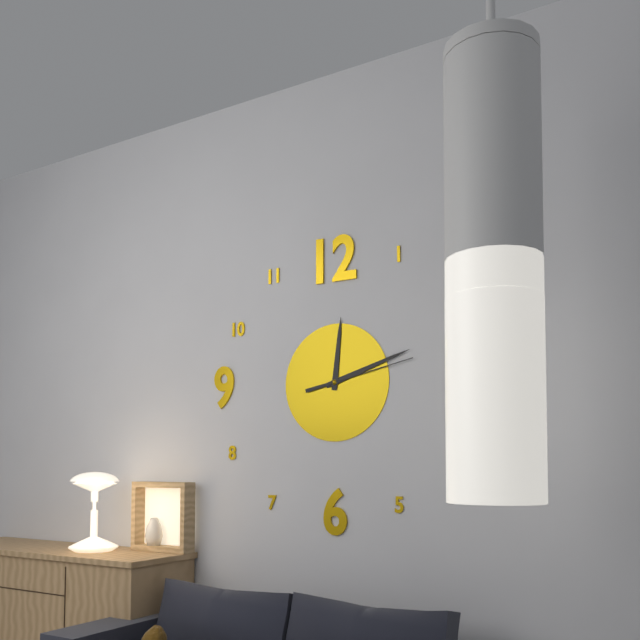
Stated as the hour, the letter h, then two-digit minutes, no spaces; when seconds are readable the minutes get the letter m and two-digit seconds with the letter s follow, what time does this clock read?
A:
12h12m13s
